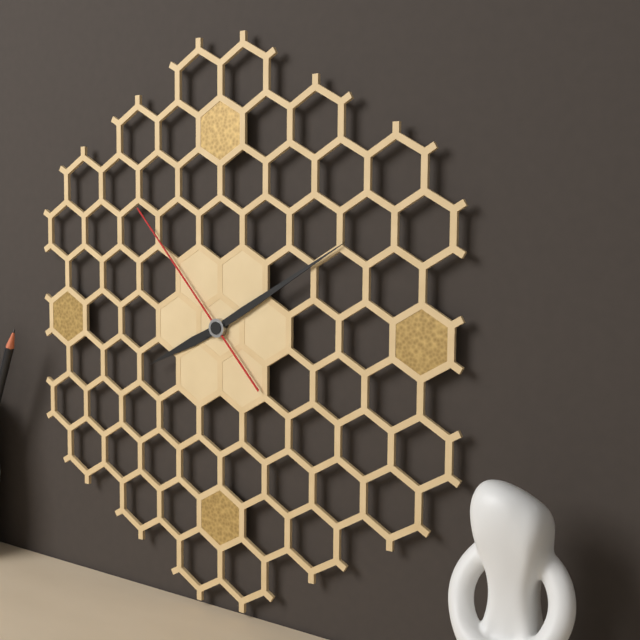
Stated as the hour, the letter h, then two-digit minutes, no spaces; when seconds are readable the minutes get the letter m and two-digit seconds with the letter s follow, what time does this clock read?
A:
8h10m53s
